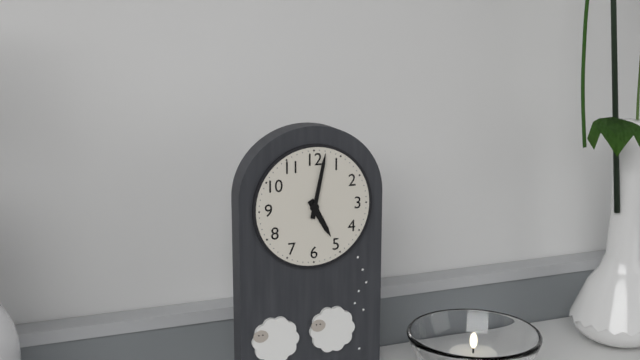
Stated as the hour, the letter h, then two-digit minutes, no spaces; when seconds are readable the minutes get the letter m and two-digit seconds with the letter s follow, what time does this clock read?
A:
5h02
